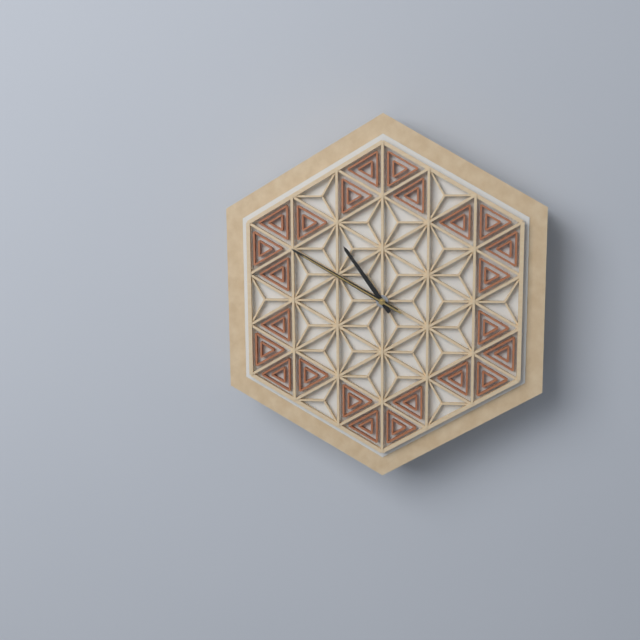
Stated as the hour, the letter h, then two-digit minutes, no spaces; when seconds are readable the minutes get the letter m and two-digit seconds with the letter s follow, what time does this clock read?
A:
10h50m50s
